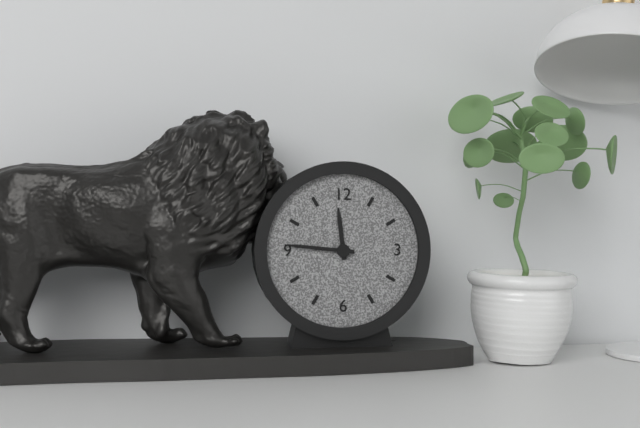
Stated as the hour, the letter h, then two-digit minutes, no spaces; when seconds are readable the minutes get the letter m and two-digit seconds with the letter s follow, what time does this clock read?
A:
11h46
